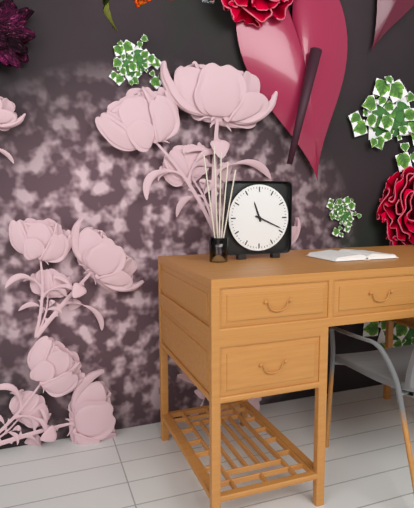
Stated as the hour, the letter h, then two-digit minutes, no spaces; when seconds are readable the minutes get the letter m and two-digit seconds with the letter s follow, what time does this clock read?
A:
11h19
